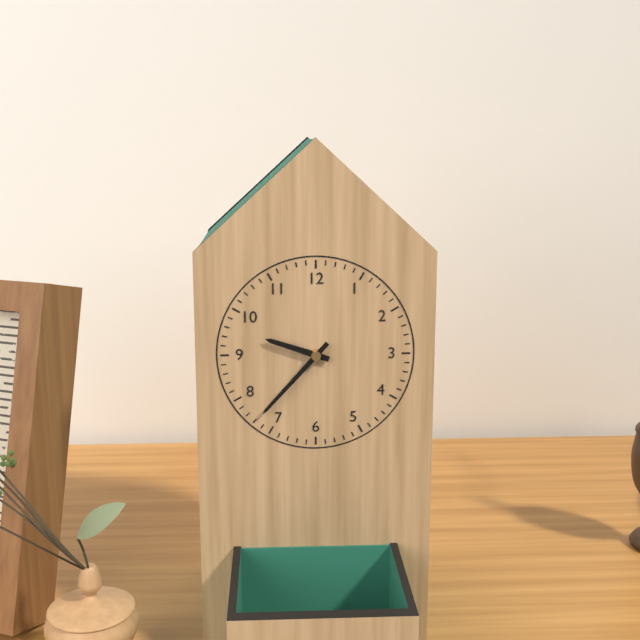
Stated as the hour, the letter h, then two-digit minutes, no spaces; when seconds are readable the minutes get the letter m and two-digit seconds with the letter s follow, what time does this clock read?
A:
9h37
